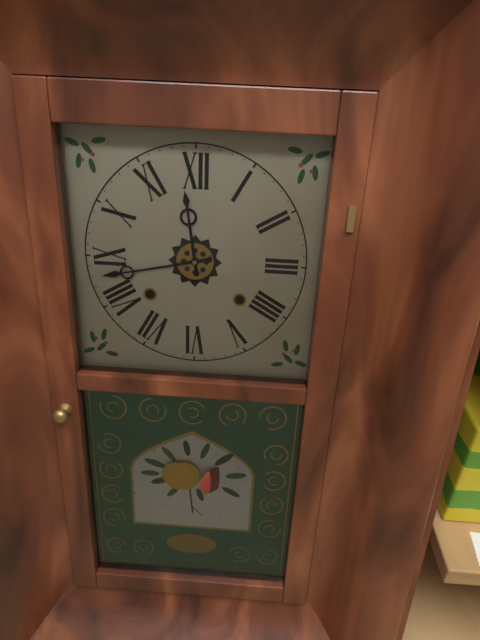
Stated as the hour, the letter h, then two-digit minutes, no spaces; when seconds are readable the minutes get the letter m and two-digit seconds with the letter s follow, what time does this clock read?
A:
11h43
